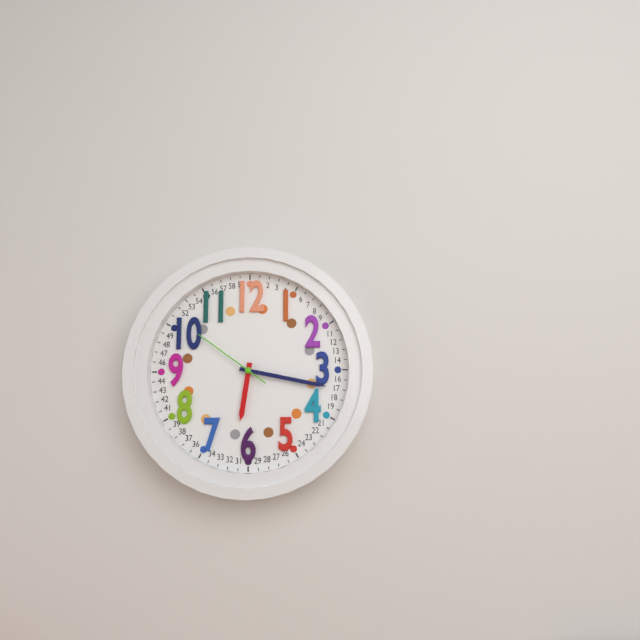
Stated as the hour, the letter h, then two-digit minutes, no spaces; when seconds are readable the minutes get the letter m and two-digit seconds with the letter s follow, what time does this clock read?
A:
6h17m51s
